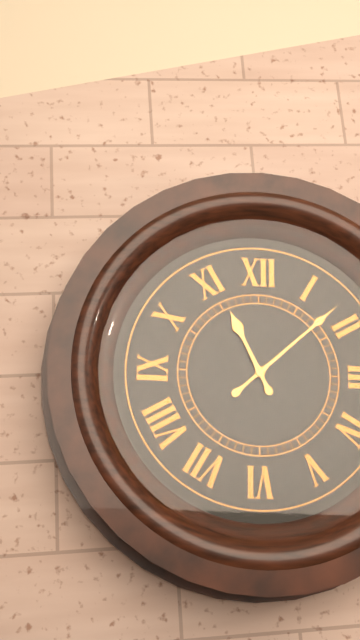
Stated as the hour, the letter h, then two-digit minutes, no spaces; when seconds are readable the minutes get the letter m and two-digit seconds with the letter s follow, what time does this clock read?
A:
11h08
